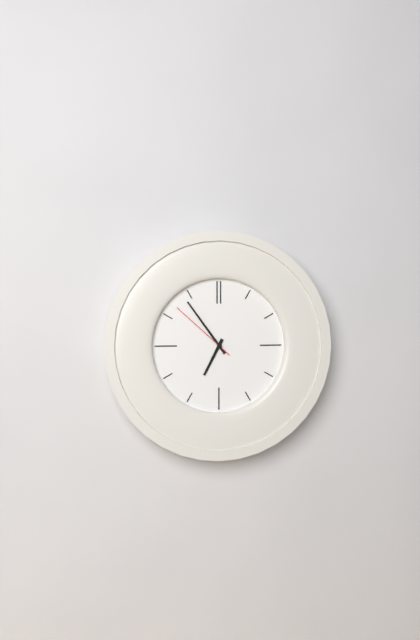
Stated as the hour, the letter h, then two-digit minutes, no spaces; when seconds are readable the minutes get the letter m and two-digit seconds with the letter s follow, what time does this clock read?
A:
6h54m52s
